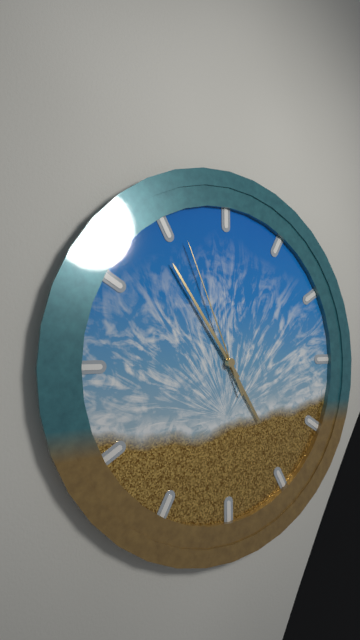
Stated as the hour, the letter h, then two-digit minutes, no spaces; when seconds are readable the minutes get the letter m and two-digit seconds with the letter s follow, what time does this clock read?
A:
4h54m56s
